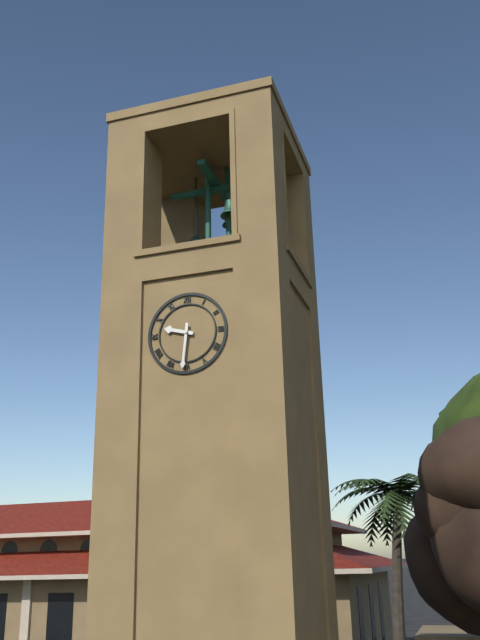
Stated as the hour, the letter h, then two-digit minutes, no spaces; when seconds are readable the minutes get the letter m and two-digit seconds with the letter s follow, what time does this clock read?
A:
9h31
